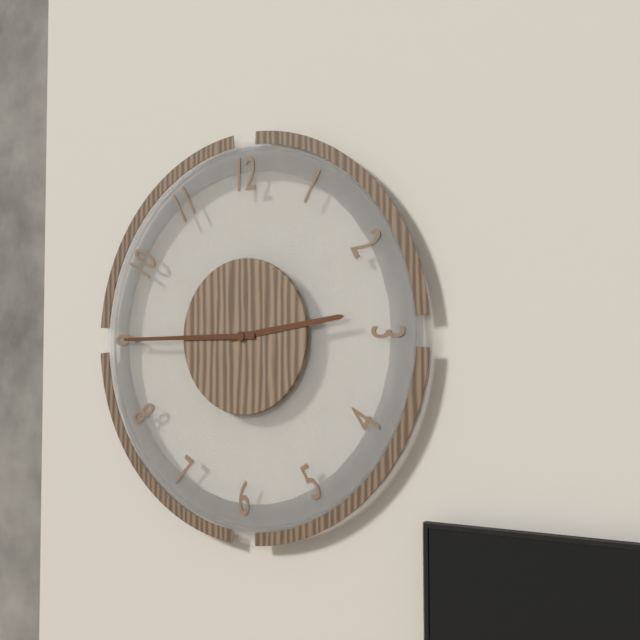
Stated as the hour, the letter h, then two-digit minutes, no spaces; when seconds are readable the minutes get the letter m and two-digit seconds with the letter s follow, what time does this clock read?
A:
2h45
